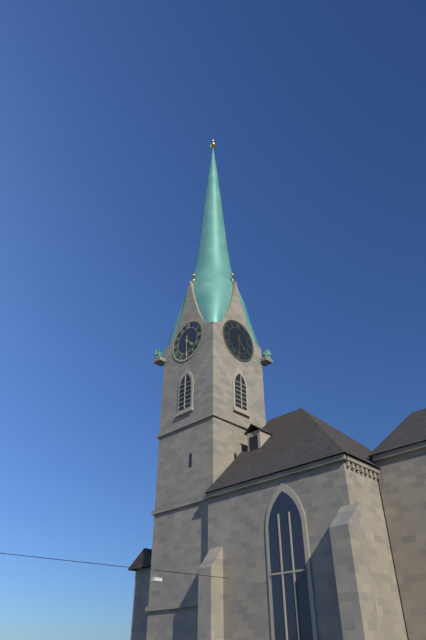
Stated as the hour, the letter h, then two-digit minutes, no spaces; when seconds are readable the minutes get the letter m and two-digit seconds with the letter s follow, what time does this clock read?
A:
4h30
